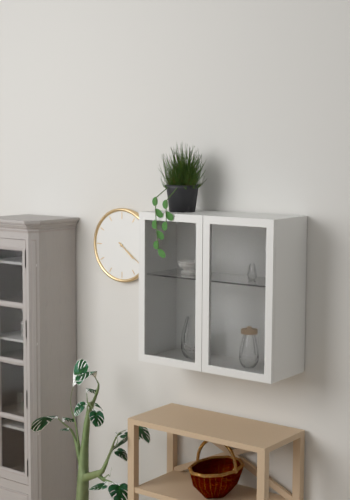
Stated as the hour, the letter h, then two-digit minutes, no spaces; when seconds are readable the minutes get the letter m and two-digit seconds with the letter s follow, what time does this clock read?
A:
4h21
